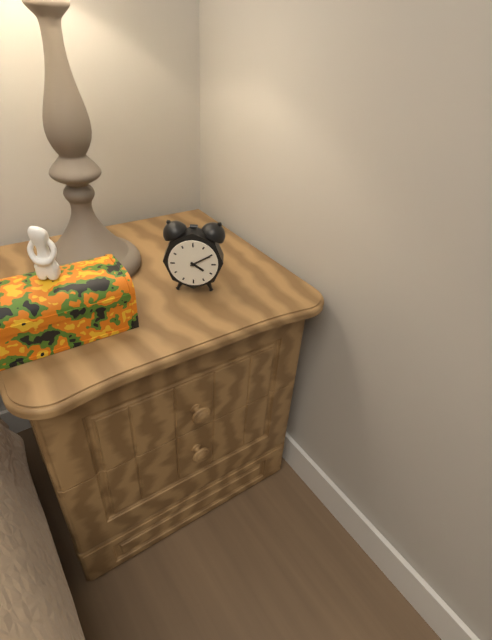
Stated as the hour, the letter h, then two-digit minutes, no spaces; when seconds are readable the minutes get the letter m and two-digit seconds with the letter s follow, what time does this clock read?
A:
4h10
